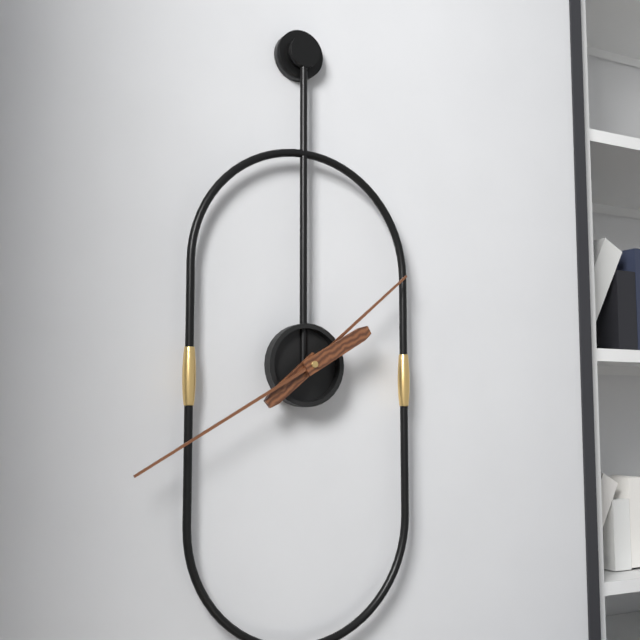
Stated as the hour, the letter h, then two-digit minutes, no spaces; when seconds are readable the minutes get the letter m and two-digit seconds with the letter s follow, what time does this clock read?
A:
1h40
